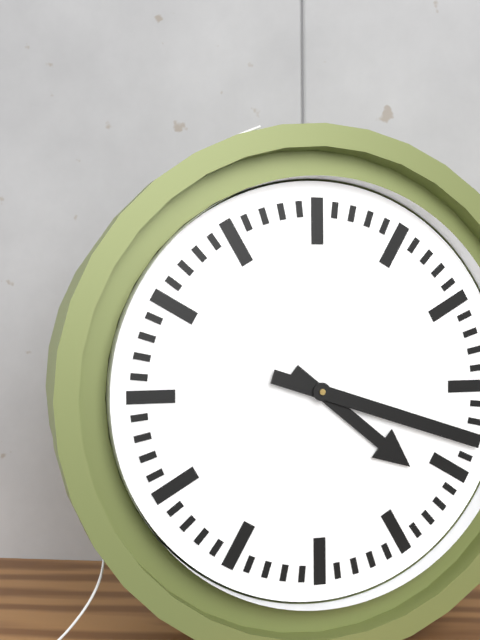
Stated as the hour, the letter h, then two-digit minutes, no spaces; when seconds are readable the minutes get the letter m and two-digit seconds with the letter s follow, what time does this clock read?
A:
4h18
